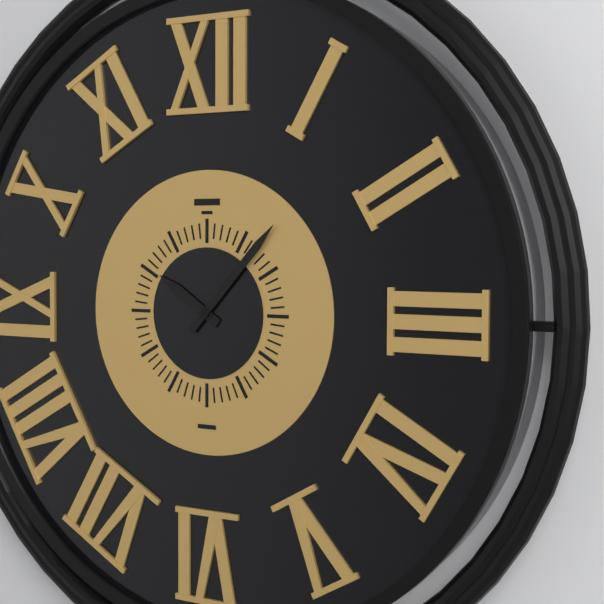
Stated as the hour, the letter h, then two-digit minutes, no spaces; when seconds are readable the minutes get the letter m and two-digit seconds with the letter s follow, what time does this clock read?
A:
10h07
